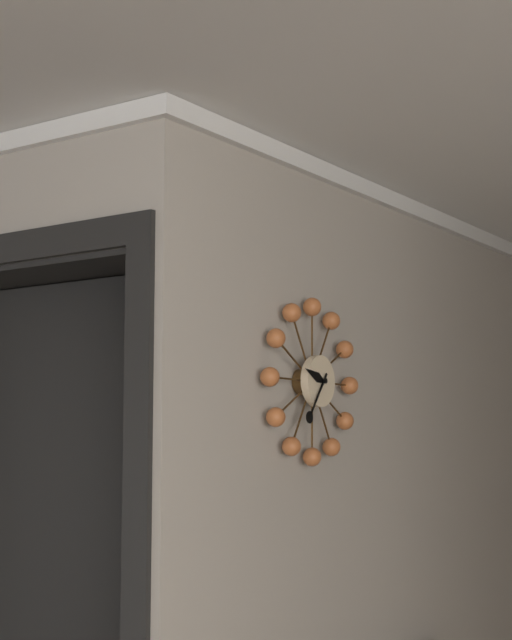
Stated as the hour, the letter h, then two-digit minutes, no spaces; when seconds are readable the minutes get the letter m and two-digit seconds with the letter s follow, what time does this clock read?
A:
9h36
